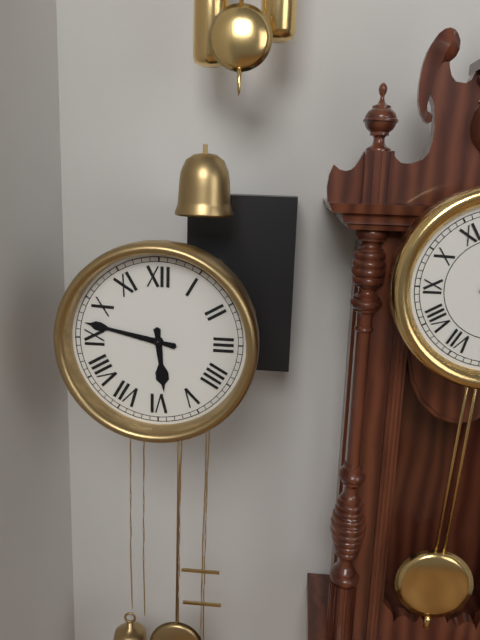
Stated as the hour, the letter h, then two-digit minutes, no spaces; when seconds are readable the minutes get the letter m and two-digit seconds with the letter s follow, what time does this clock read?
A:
5h47
